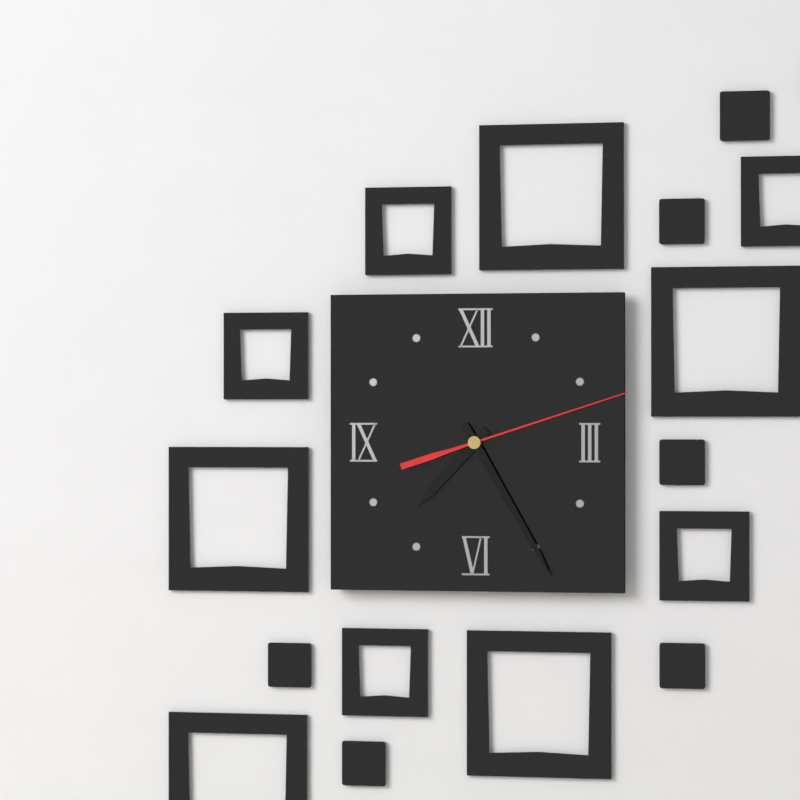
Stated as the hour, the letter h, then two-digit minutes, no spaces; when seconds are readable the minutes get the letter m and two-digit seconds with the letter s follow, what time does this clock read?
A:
7h25m12s
